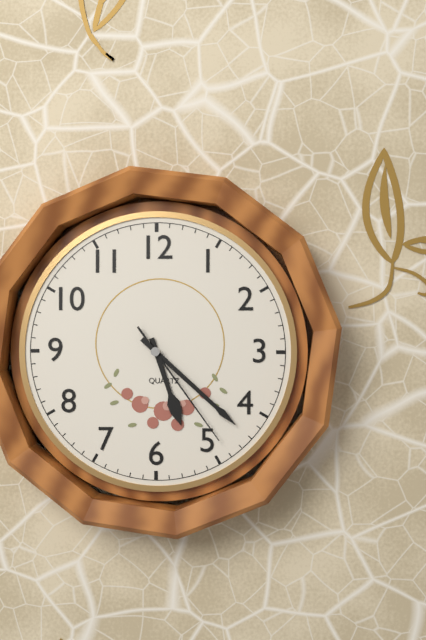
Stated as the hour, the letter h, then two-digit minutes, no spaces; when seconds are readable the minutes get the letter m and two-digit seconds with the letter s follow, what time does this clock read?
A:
5h22m24s
